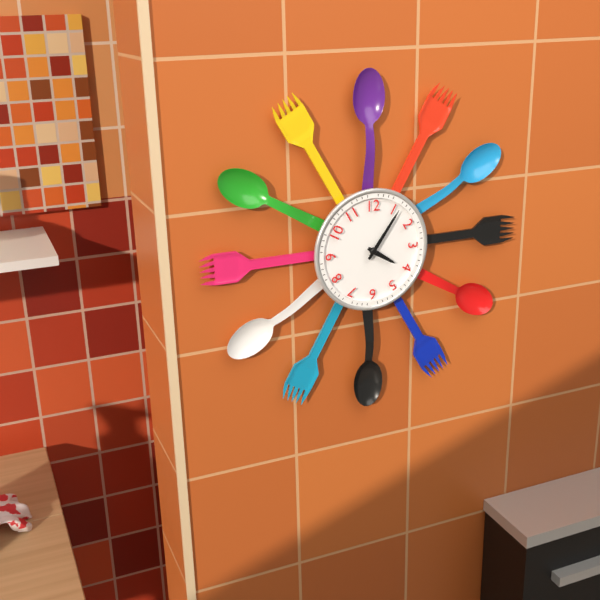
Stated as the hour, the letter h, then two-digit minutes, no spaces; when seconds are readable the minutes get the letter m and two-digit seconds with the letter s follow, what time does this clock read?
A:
4h06
